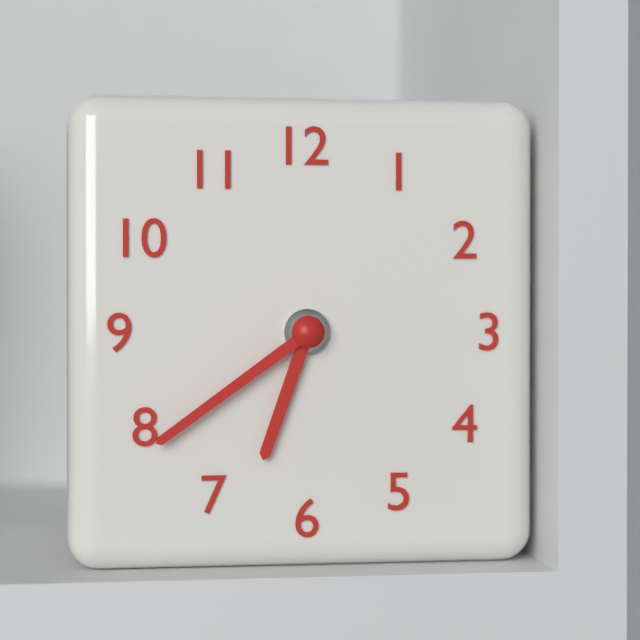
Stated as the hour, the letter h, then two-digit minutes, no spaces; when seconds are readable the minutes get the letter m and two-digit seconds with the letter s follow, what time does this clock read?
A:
6h39
